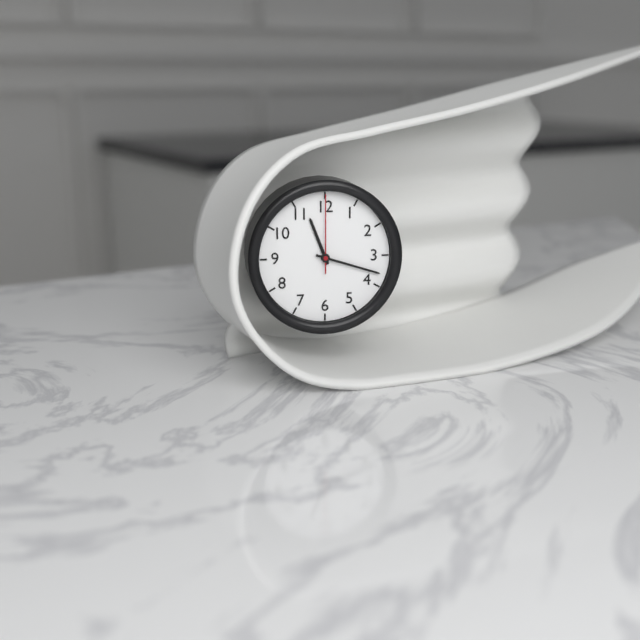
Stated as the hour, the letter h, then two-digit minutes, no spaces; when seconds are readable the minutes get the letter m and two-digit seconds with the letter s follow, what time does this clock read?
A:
11h18m00s
